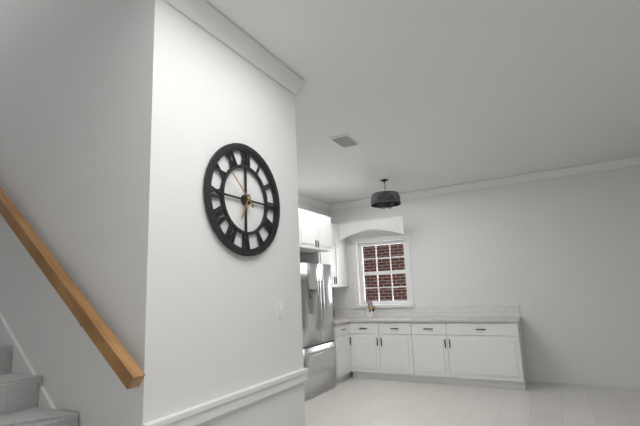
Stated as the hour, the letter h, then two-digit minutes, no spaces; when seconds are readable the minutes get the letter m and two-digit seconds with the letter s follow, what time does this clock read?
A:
6h52
